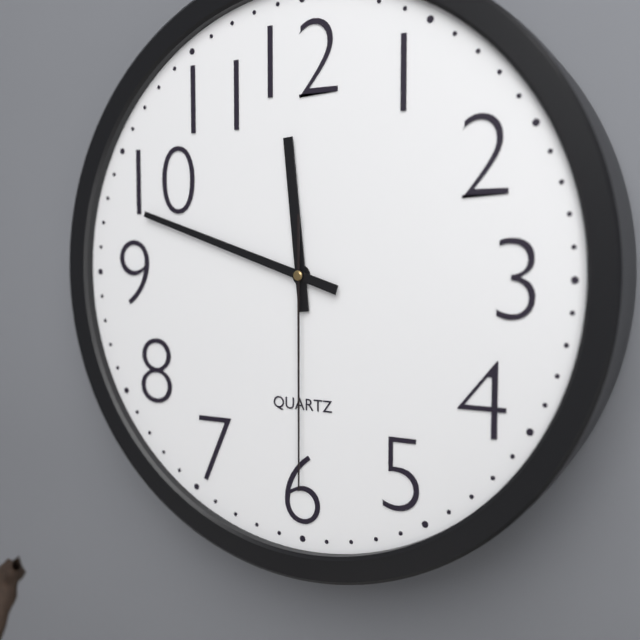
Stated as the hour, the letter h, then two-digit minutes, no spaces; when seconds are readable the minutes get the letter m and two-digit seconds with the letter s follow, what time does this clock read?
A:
11h48m30s
